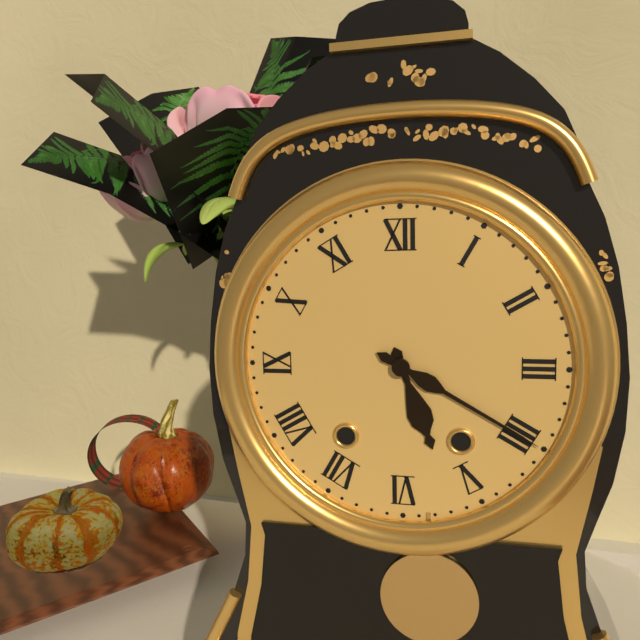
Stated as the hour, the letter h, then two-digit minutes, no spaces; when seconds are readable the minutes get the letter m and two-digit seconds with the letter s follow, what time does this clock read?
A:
5h20
